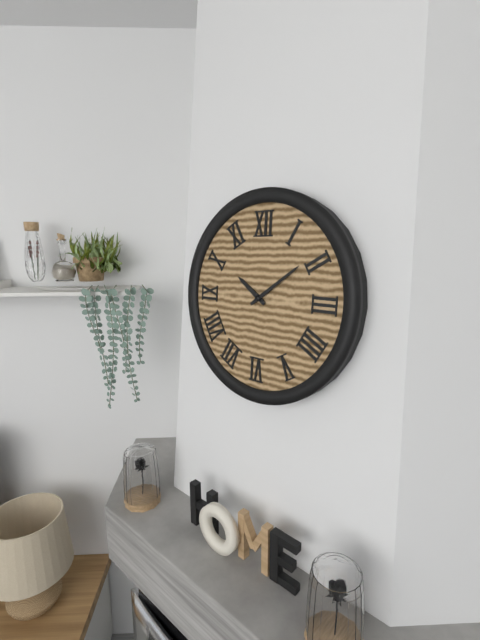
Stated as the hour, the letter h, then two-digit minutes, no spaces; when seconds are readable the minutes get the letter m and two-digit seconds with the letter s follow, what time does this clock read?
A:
10h09
